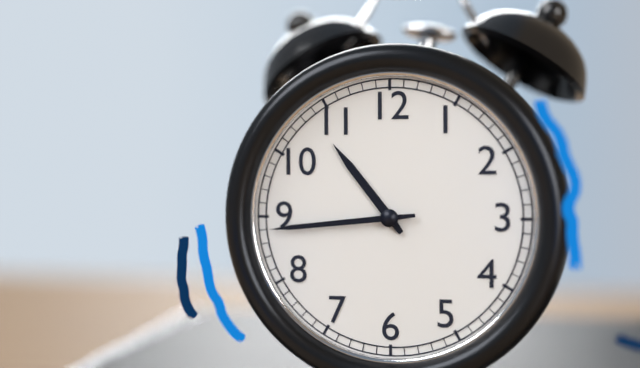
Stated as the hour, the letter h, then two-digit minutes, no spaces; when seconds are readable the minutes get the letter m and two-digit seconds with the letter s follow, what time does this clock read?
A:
10h44
